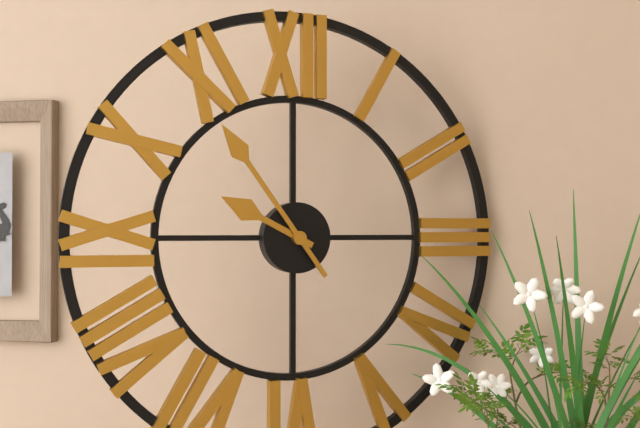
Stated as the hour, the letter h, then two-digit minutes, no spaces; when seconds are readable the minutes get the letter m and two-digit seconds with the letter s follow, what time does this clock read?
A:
9h54
